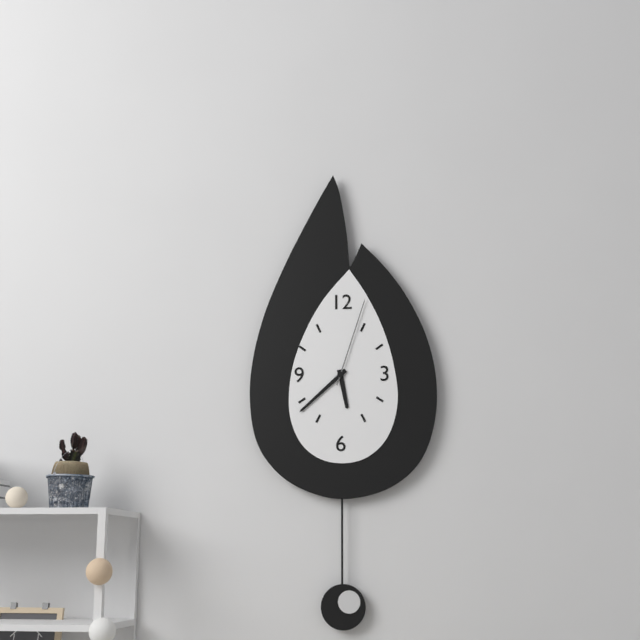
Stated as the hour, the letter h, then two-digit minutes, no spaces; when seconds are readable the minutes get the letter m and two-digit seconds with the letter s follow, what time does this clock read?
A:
5h38m03s
